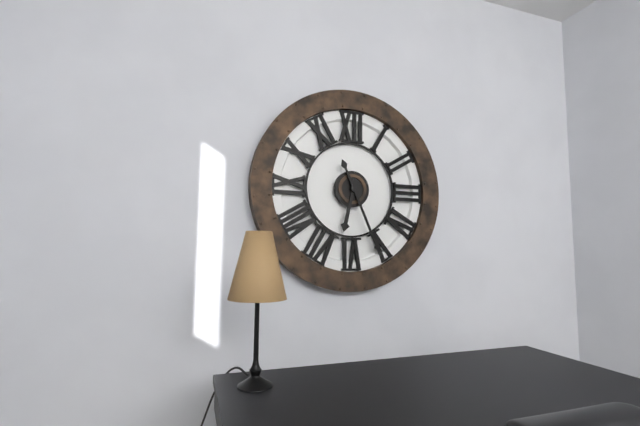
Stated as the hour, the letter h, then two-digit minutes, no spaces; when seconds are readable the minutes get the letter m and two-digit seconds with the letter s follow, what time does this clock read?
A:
6h26
